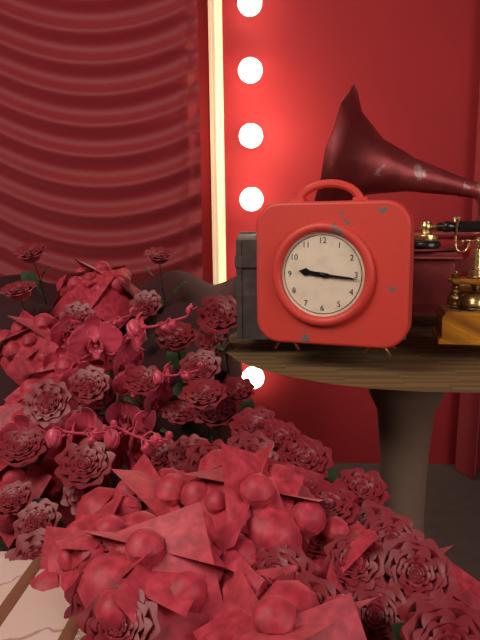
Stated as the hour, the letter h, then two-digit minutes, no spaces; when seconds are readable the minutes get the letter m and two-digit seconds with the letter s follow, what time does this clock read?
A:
9h16
